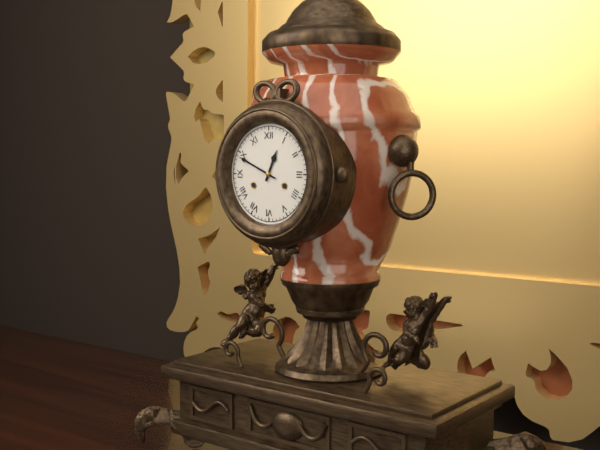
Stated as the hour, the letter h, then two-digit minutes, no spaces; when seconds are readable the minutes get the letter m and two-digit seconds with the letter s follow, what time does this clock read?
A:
12h49
